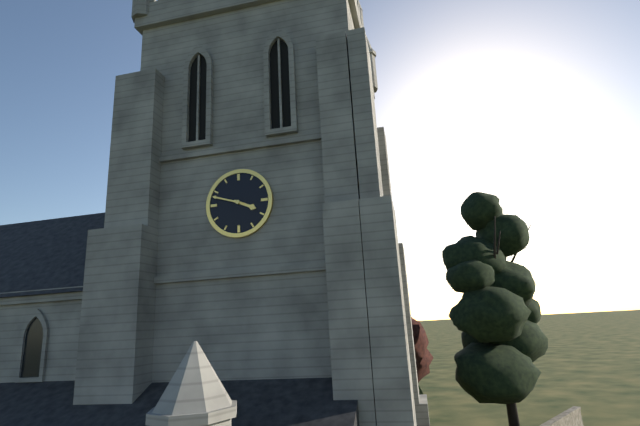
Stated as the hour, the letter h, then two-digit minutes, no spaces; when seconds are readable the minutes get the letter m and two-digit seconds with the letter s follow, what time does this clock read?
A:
3h48
